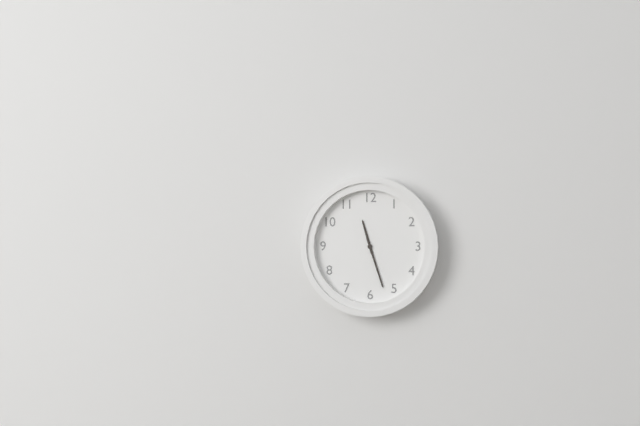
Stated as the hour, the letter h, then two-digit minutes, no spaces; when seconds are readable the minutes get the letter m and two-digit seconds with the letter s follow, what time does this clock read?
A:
11h27
